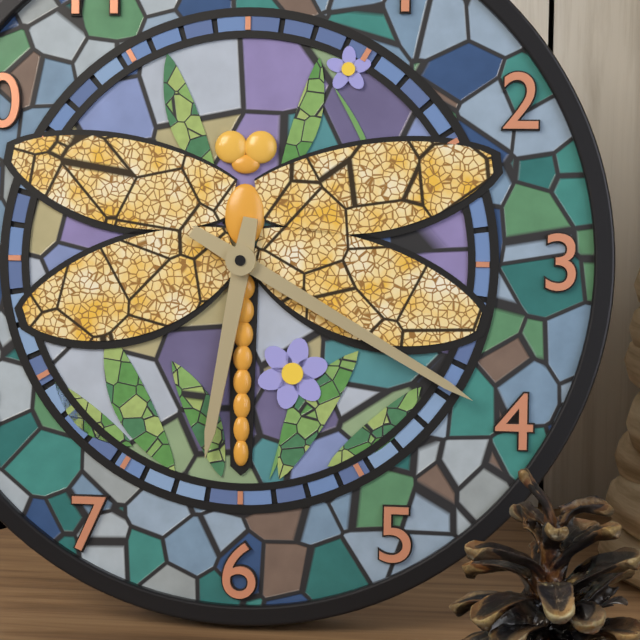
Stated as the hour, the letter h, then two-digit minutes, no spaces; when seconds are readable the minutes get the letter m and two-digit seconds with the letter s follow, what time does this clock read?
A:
6h20
